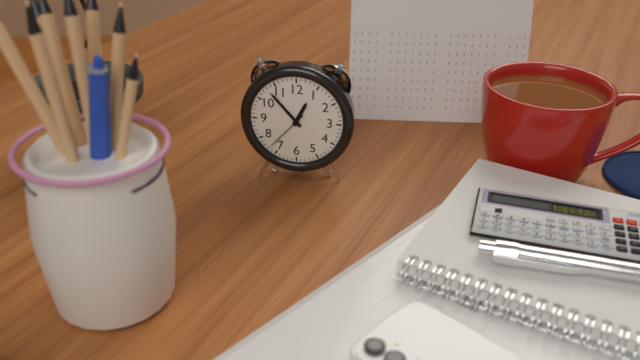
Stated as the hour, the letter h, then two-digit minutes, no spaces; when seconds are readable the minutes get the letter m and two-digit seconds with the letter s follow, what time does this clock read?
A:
12h53
